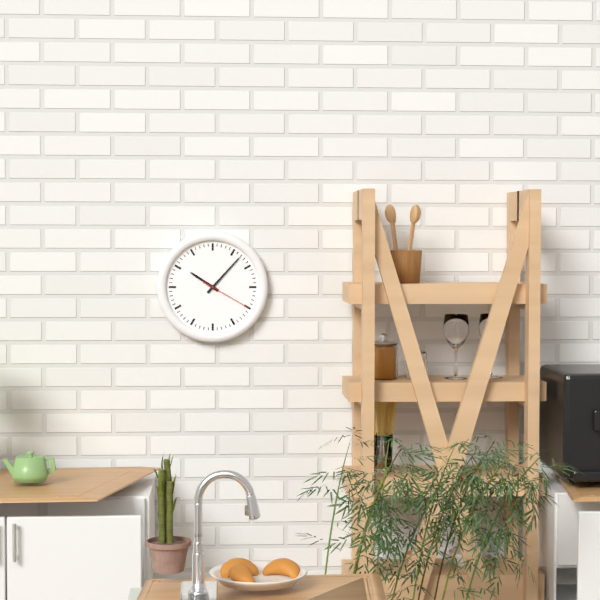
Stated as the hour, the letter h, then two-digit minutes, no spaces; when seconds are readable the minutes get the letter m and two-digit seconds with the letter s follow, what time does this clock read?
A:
10h07m20s
